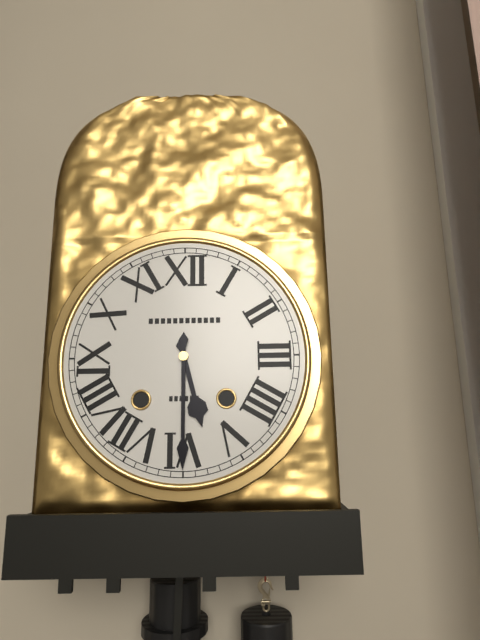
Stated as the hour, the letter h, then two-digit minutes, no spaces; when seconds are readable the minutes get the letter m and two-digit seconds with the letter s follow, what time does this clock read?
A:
5h30
